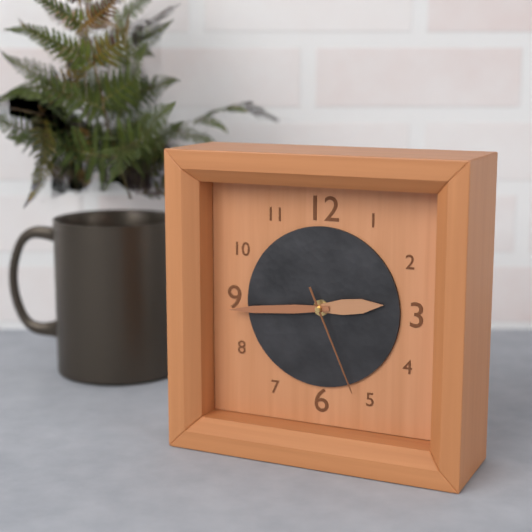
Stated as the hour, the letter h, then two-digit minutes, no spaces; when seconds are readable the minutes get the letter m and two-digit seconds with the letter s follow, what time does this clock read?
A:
2h44m26s
